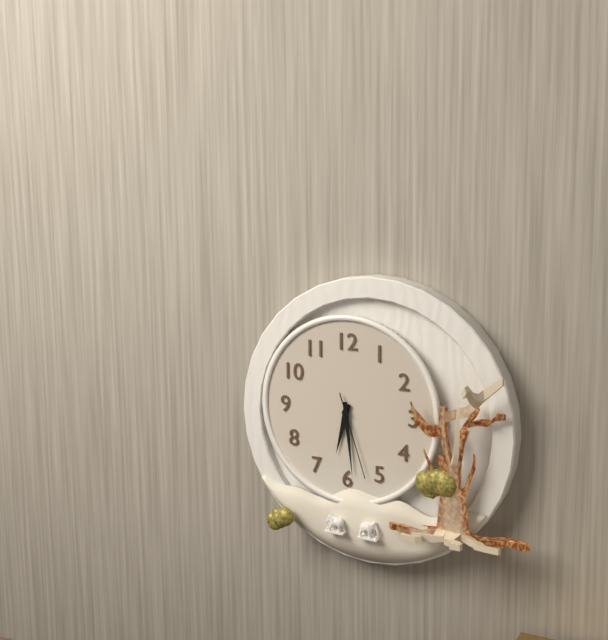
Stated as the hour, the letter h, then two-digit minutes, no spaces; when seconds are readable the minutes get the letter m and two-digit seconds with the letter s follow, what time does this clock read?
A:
6h29m27s
